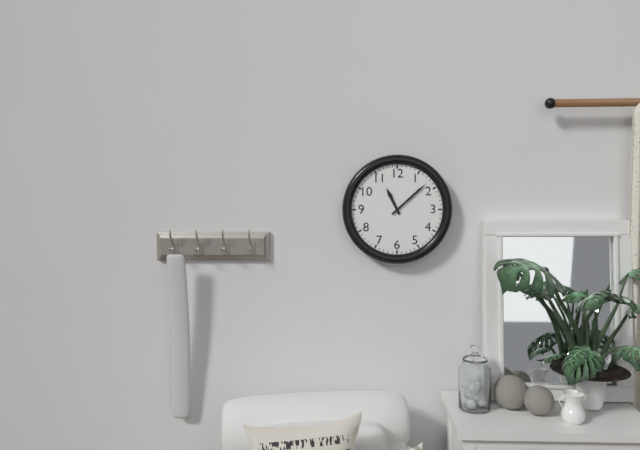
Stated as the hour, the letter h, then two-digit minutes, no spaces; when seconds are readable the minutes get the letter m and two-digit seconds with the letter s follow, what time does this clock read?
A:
11h08
